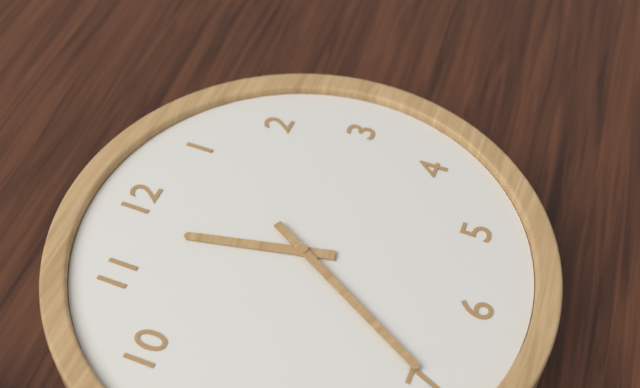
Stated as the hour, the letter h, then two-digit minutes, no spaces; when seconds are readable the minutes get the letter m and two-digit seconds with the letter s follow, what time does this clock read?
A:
11h35
